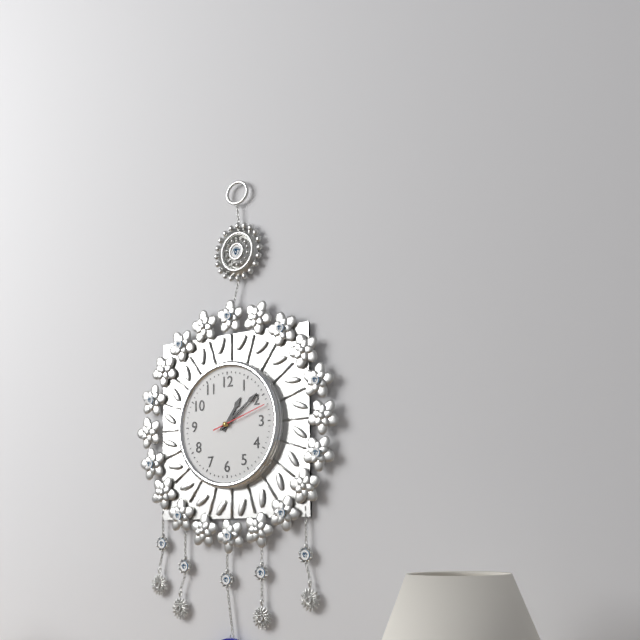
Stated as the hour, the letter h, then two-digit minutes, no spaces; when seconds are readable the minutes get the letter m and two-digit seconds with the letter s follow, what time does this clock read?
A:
1h09
